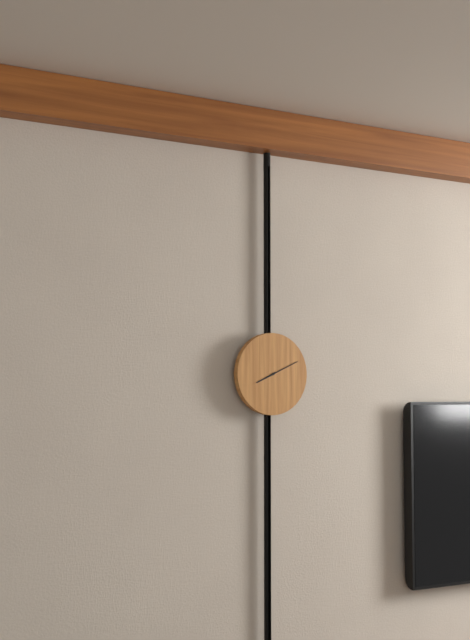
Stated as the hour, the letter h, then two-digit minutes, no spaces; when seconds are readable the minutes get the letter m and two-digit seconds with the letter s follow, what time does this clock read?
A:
8h11
